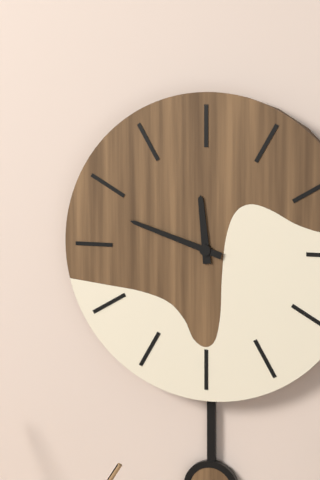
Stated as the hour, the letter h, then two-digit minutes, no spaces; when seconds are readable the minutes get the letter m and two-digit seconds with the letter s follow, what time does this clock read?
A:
11h48
